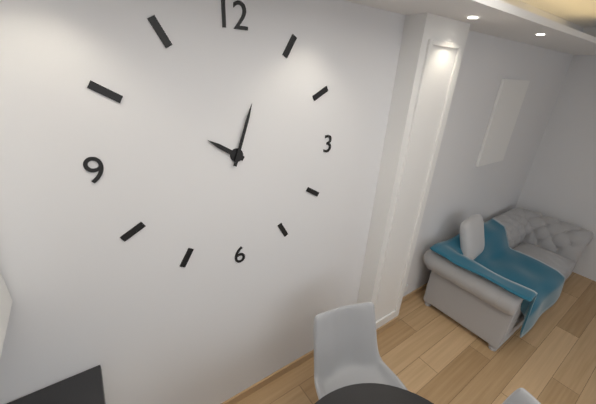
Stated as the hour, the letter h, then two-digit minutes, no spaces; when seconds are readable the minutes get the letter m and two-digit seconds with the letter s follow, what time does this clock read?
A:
10h03
